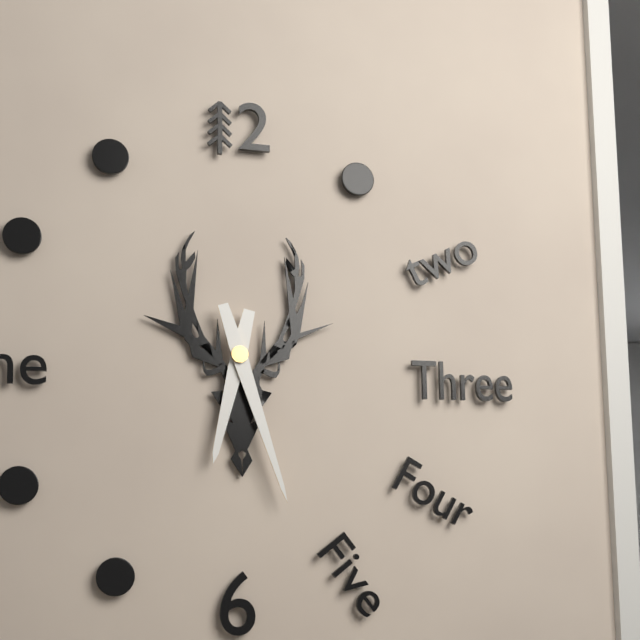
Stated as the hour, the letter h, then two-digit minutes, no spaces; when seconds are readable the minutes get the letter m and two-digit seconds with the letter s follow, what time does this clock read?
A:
6h27
